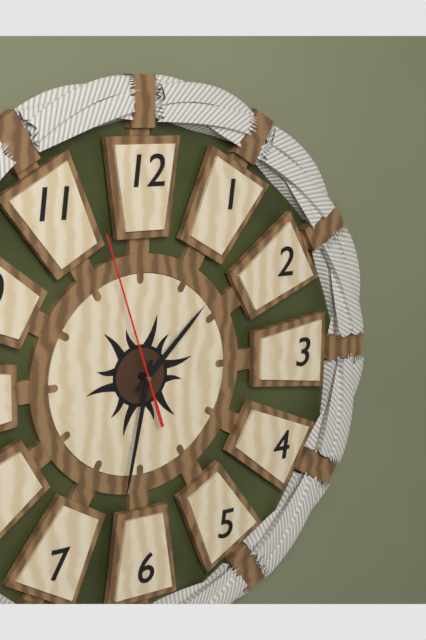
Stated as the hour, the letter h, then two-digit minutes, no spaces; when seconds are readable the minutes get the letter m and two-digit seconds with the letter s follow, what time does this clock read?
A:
1h32m57s
